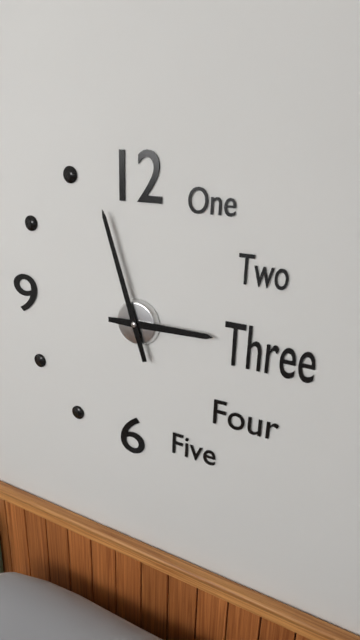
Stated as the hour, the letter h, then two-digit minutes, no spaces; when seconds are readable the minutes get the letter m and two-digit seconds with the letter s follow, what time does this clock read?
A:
2h57
